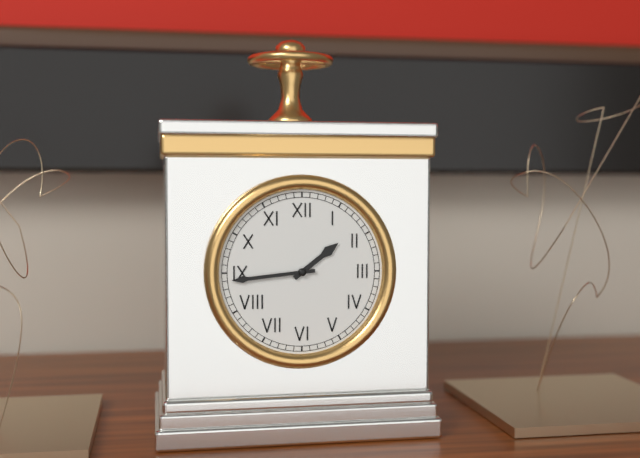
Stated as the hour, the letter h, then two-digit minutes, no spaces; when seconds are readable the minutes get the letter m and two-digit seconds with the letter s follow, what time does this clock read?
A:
1h44
